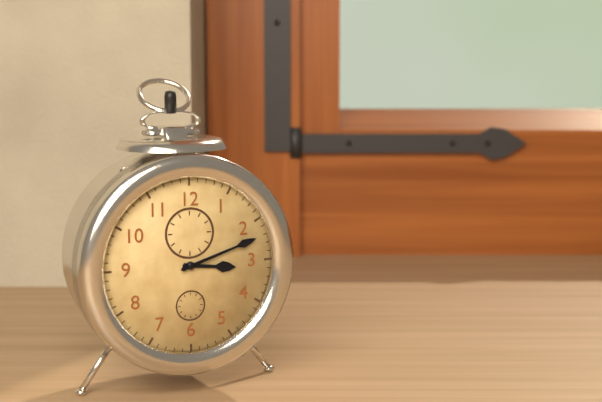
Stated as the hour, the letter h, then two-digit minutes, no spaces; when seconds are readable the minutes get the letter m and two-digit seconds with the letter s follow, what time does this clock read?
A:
3h12
